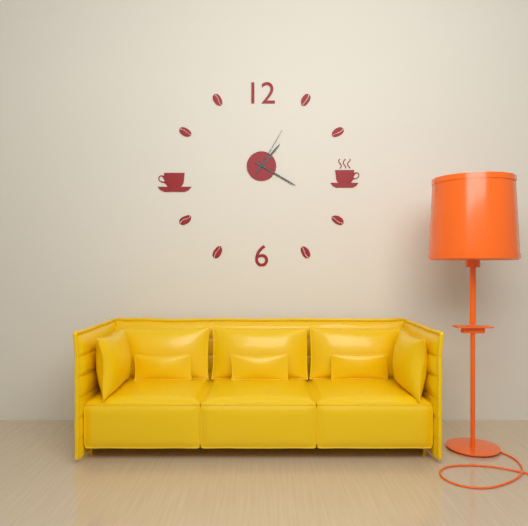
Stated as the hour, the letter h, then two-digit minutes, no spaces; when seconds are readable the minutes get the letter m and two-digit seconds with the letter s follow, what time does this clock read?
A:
1h20m05s
